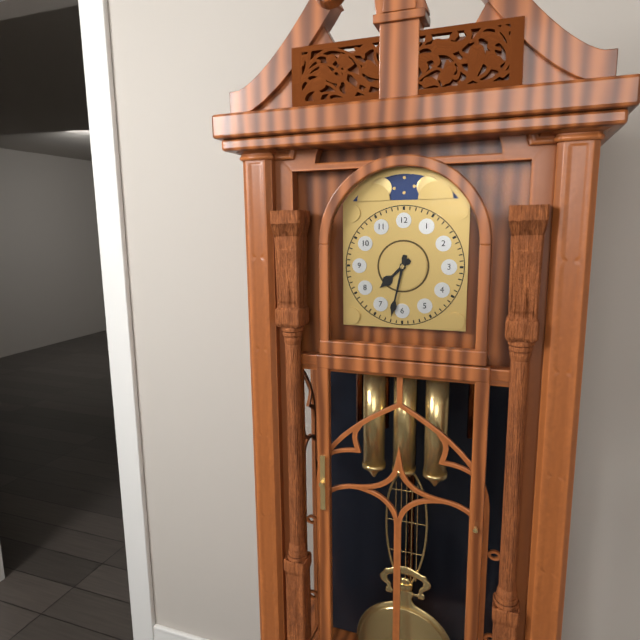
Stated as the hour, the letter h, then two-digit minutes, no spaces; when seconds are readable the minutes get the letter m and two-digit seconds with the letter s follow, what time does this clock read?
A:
7h32
